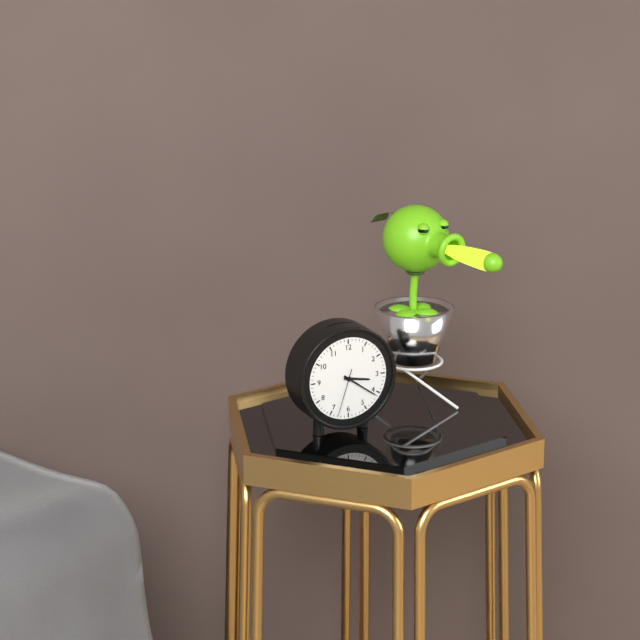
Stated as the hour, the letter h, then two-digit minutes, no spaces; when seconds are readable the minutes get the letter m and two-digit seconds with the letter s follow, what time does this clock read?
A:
3h21
